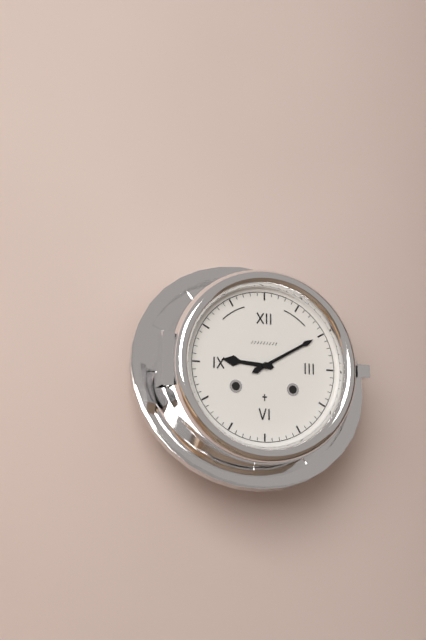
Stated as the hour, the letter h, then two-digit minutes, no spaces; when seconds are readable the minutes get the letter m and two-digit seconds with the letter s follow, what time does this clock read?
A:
9h10
